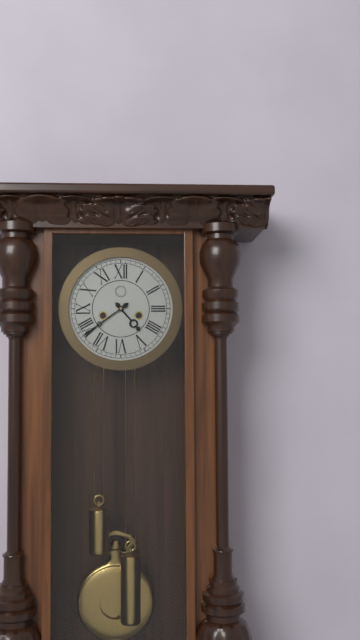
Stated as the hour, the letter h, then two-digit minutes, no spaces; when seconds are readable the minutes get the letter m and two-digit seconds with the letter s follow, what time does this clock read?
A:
4h39
